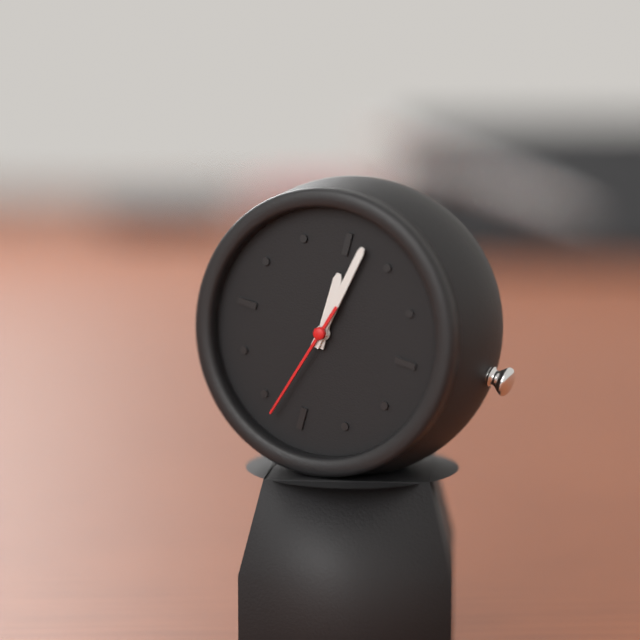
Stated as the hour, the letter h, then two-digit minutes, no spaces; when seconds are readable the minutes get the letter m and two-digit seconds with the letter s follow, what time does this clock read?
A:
12h02m33s
